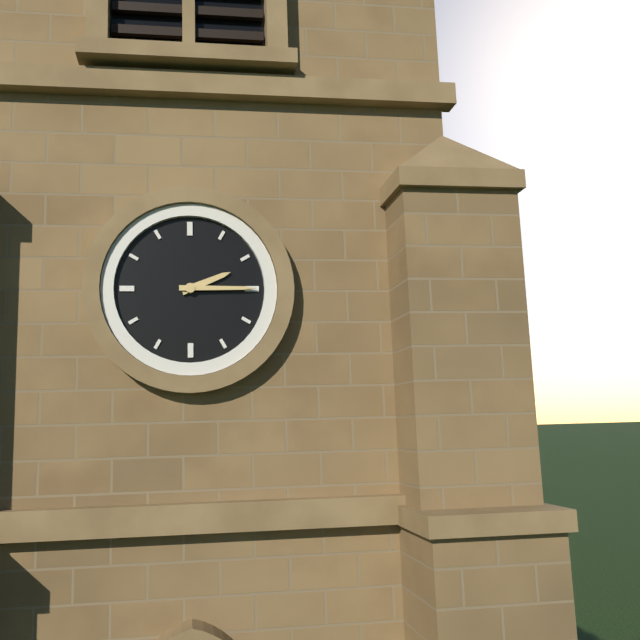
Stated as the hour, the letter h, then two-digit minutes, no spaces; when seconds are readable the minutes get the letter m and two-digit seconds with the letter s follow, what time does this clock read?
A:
2h15
